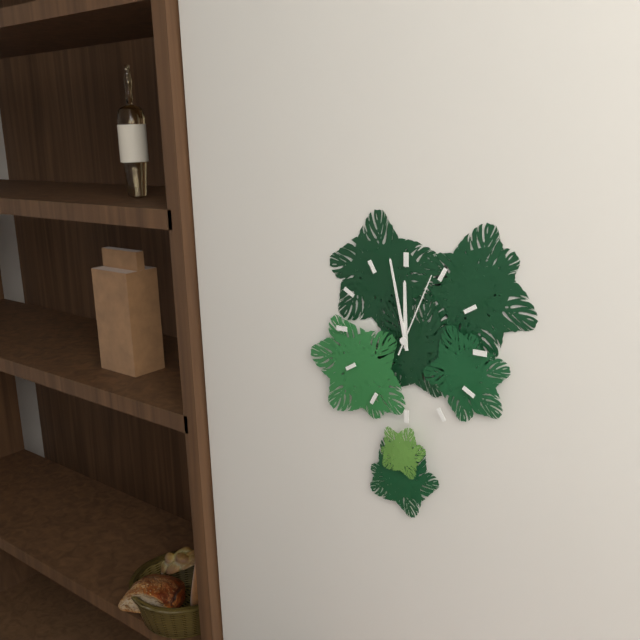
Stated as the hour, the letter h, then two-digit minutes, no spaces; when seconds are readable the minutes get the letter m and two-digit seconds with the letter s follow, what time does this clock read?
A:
11h58m04s
